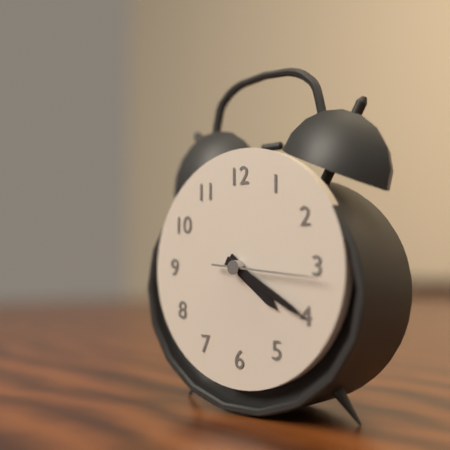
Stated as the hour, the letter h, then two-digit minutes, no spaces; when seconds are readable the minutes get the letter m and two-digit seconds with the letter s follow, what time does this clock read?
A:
4h20m16s
